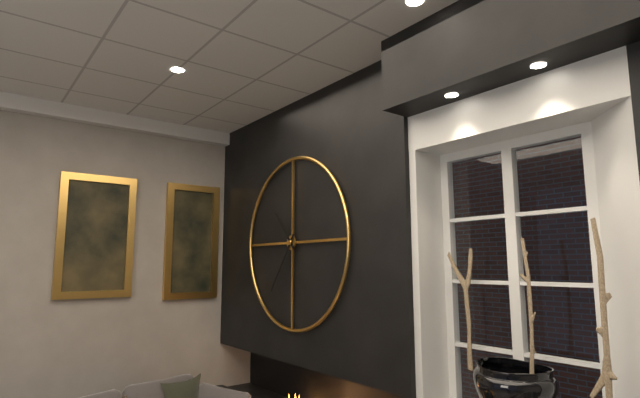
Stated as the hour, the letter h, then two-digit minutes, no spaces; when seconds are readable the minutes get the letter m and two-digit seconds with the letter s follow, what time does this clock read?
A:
10h36
